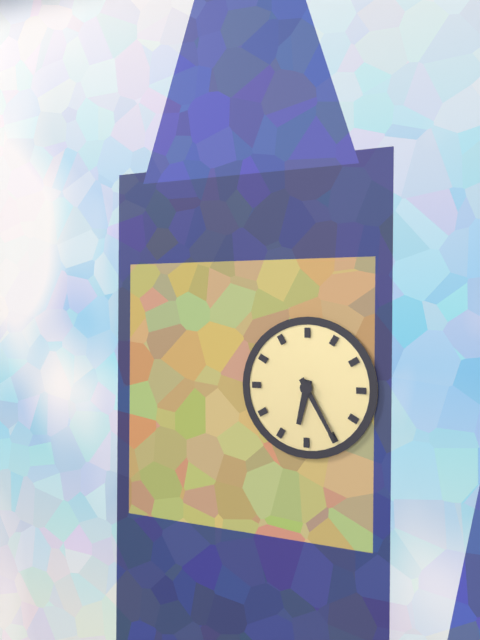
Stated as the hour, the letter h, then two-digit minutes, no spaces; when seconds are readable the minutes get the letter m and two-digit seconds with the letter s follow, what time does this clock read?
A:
6h25
